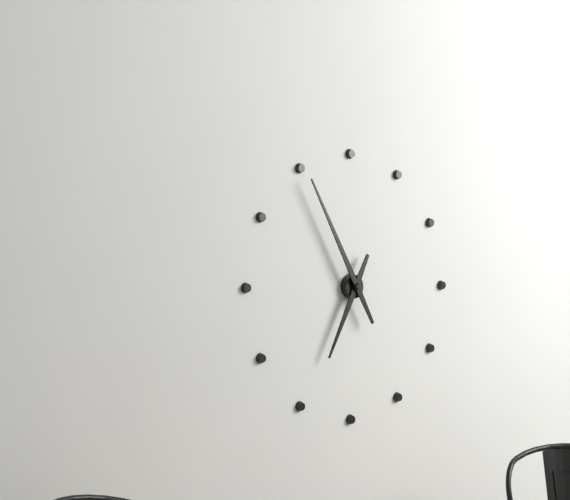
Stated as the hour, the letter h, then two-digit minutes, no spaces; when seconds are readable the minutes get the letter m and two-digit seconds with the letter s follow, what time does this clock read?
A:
6h55
